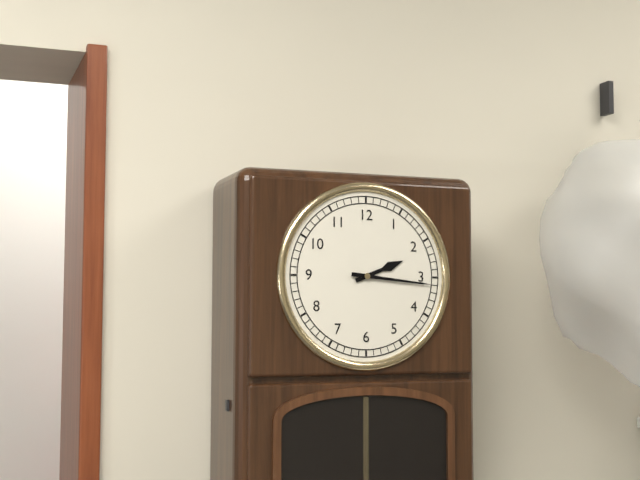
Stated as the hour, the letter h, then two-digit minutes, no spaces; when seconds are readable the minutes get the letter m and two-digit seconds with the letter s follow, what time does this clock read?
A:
2h16
